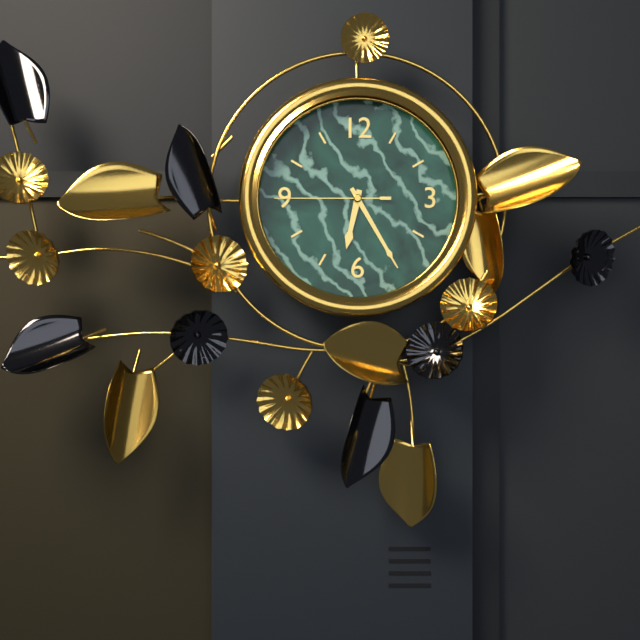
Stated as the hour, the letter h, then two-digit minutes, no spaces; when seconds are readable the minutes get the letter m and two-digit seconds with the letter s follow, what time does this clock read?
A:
6h25m45s
